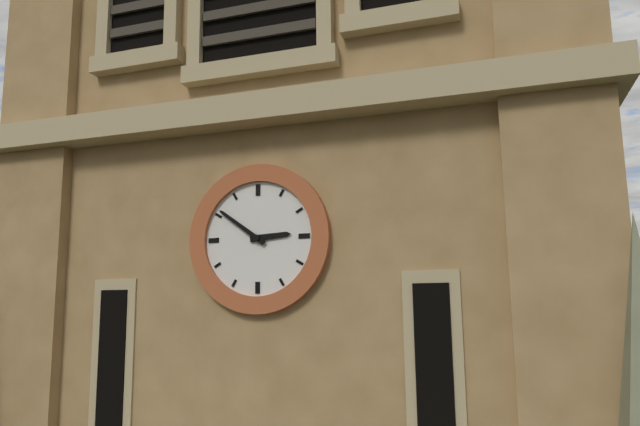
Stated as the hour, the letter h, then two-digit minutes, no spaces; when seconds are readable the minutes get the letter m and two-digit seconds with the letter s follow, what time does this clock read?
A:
2h51
